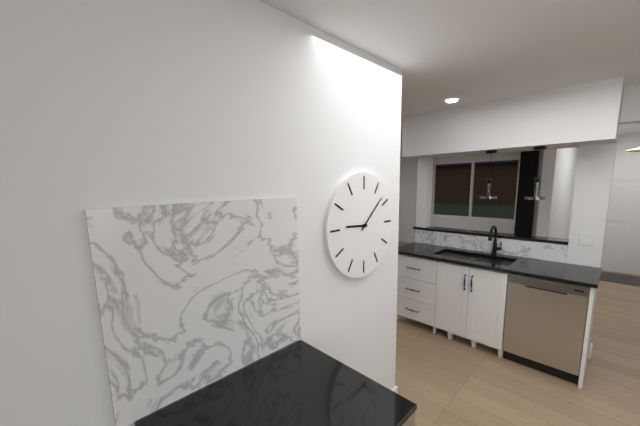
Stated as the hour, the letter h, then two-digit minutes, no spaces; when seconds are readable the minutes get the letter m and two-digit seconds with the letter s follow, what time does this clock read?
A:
9h08
